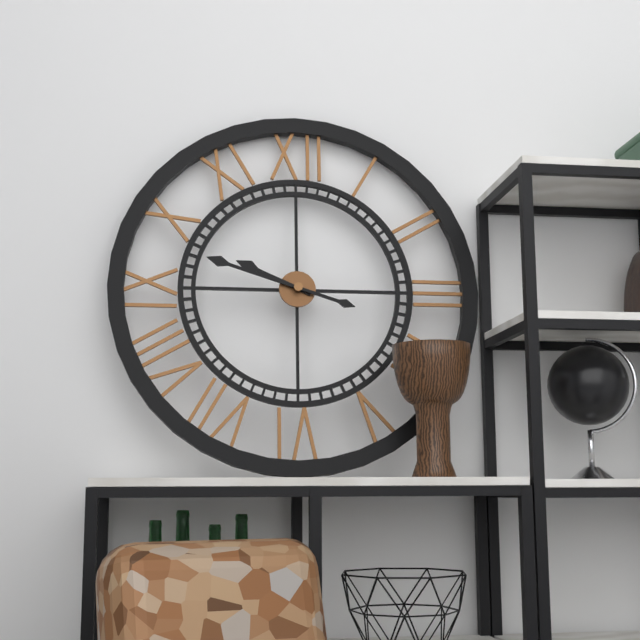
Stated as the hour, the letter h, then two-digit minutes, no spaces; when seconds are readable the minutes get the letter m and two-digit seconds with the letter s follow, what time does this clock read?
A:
9h48
